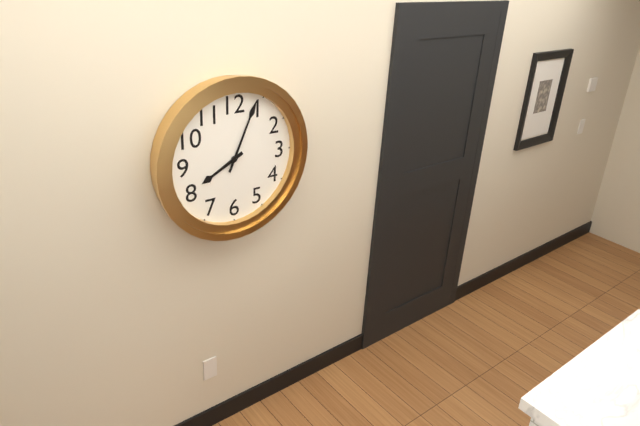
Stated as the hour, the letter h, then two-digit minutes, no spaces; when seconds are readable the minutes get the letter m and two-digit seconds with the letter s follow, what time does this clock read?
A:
8h04
